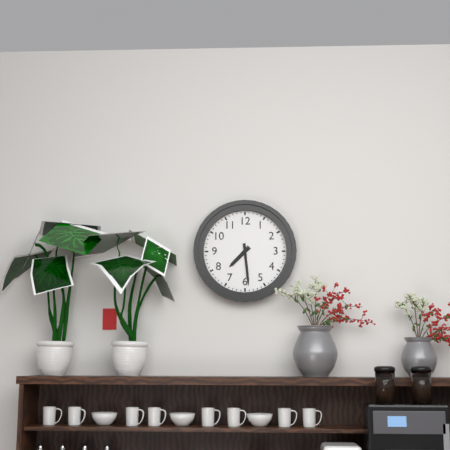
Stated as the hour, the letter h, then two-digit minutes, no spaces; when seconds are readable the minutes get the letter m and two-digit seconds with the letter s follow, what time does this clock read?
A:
7h29
